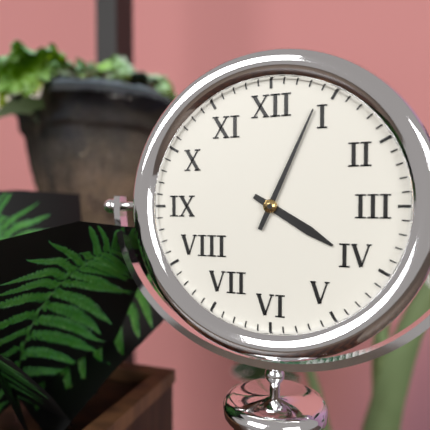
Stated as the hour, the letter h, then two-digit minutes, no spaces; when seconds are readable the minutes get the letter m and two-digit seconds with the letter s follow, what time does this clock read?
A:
4h04
